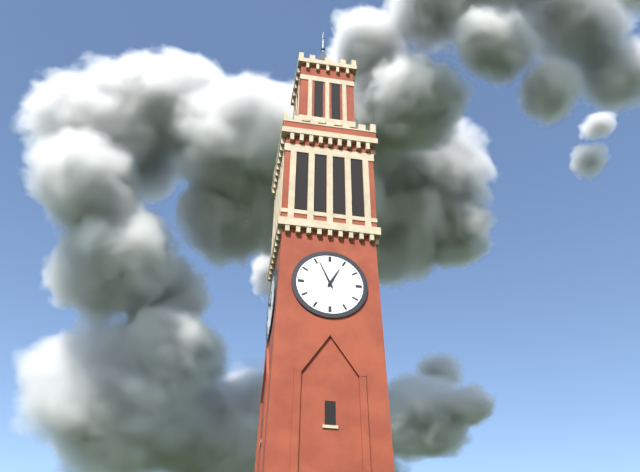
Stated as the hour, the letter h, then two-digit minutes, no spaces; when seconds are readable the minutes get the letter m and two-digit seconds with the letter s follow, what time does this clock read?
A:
12h56
